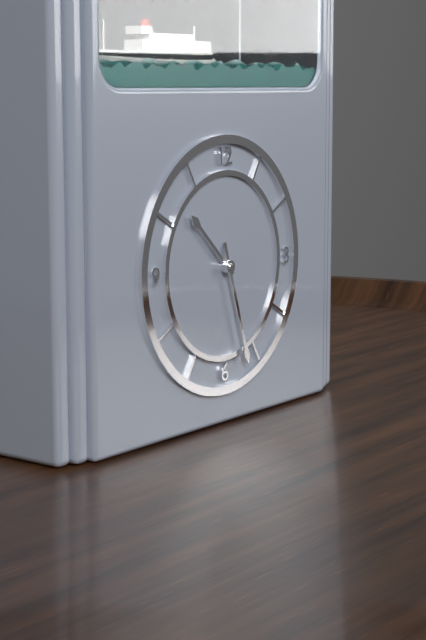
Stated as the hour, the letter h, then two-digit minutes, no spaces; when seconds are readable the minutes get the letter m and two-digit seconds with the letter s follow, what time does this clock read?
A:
10h27
